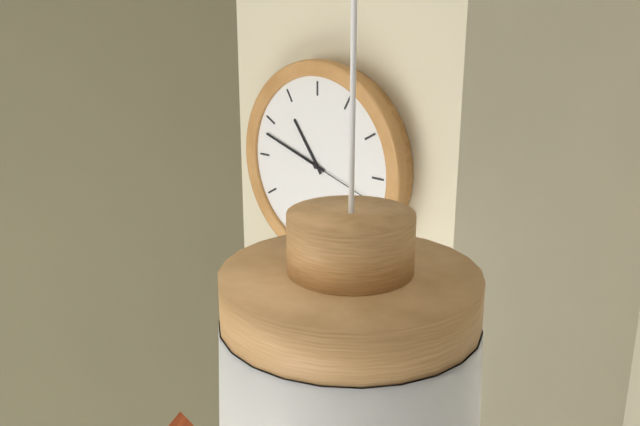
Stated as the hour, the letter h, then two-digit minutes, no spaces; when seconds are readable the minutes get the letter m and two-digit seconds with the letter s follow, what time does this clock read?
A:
10h48m18s
